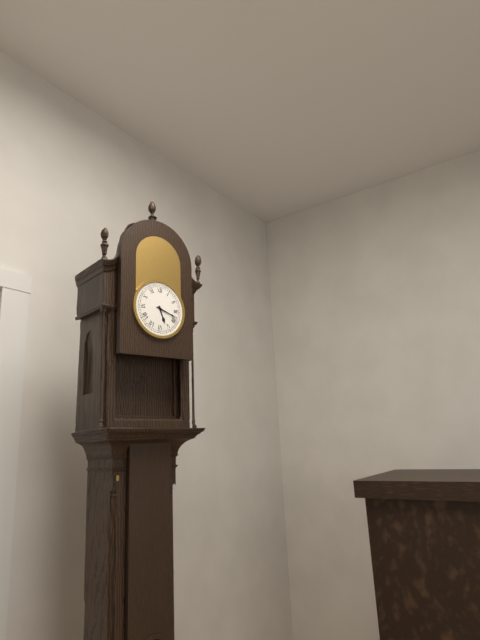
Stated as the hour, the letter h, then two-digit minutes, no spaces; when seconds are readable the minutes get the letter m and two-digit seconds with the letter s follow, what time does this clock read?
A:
5h18
